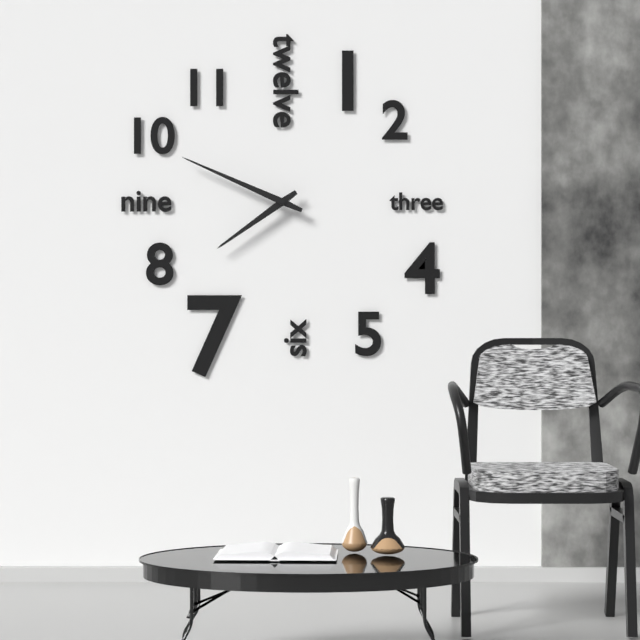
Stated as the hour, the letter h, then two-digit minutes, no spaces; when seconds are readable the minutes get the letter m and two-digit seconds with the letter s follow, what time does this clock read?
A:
7h49
